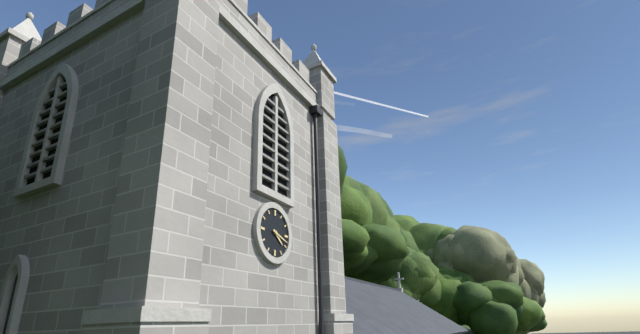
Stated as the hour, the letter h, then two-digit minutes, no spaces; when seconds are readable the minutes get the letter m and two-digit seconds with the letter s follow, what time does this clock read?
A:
4h18
